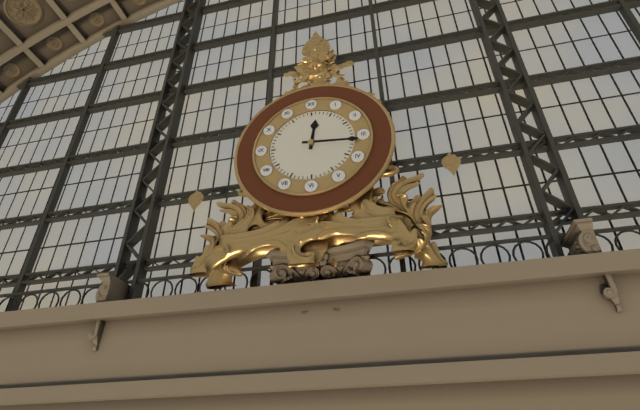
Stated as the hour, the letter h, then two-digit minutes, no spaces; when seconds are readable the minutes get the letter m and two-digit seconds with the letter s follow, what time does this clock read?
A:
12h16
